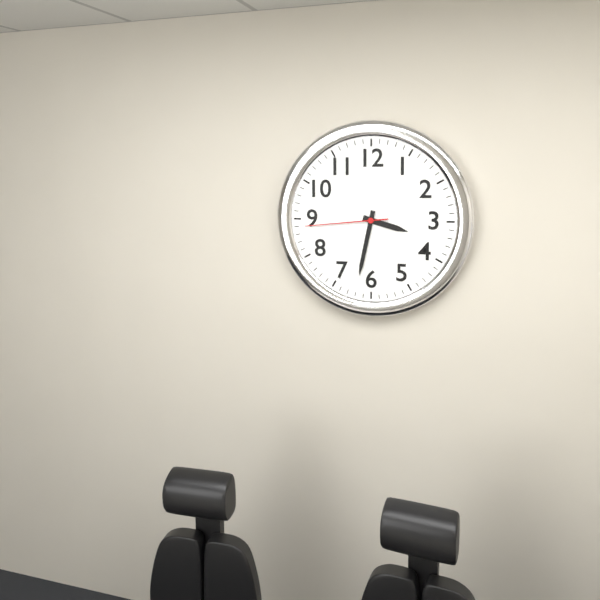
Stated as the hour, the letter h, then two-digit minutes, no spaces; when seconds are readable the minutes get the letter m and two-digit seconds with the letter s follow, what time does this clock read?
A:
3h32m44s
